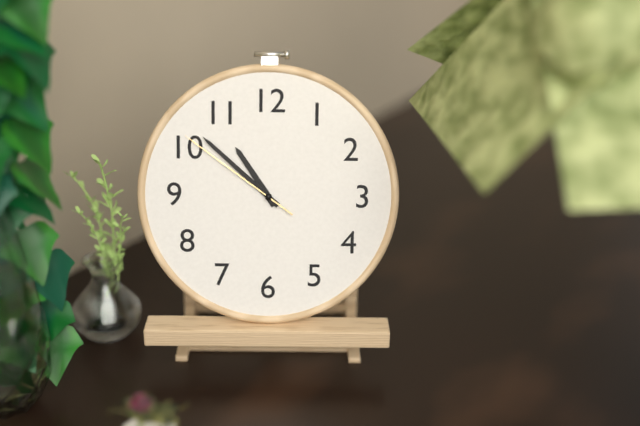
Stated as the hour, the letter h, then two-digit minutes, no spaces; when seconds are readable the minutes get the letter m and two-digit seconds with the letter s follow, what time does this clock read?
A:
10h52m51s
